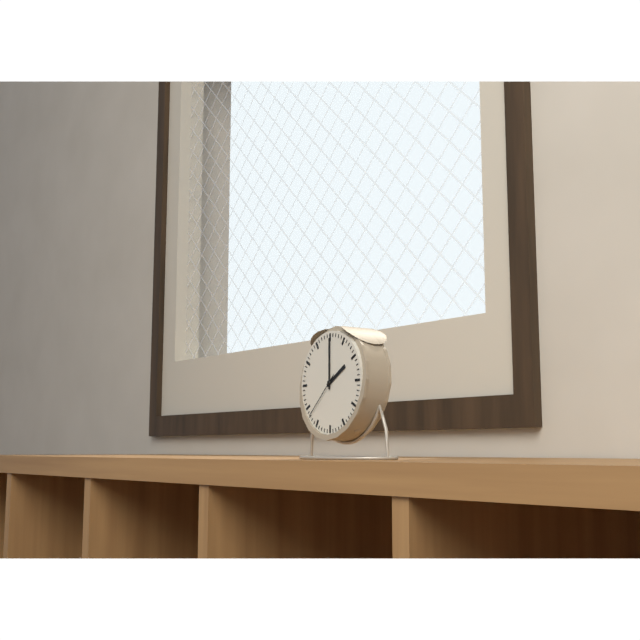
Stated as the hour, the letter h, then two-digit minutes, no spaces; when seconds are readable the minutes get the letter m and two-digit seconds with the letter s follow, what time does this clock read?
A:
2h00
